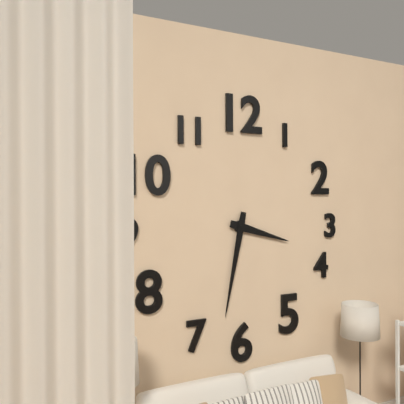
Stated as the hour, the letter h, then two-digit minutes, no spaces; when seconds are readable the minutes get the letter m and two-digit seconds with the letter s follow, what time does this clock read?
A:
3h32
